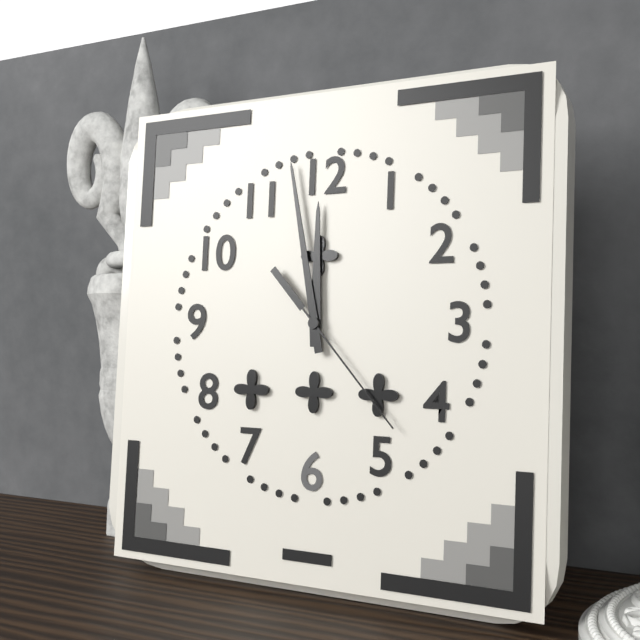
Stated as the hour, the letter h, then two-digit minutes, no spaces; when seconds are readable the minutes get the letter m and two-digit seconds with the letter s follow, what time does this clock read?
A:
11h58m23s
